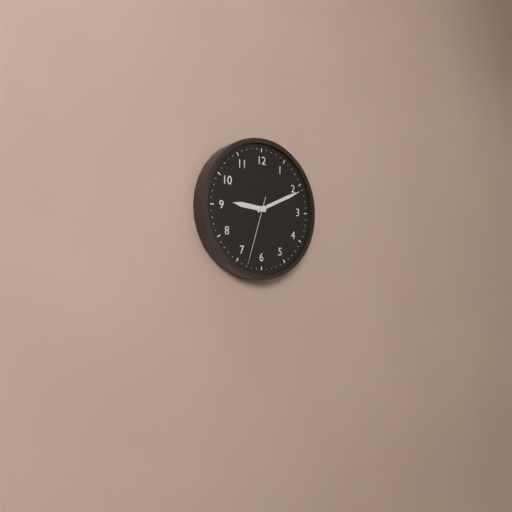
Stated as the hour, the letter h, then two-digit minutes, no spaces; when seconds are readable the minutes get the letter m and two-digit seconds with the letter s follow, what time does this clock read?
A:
9h11m33s
